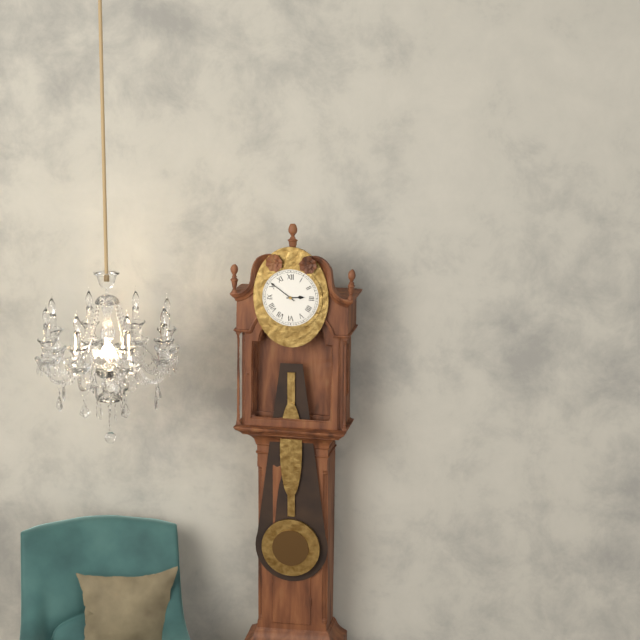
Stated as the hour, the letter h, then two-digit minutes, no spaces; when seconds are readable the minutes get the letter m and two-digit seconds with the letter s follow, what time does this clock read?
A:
2h51
